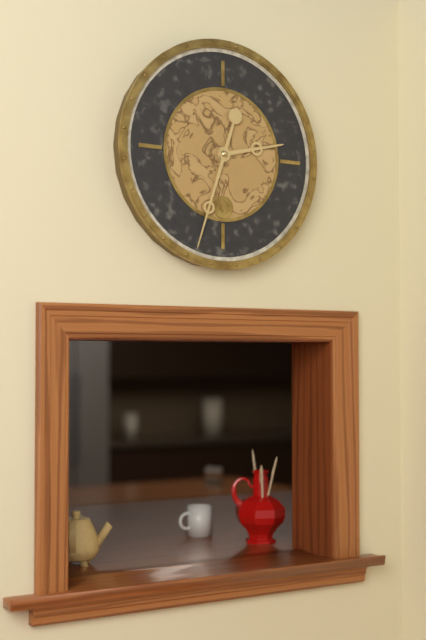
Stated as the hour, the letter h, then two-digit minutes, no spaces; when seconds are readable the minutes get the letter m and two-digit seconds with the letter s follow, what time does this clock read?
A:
2h33
